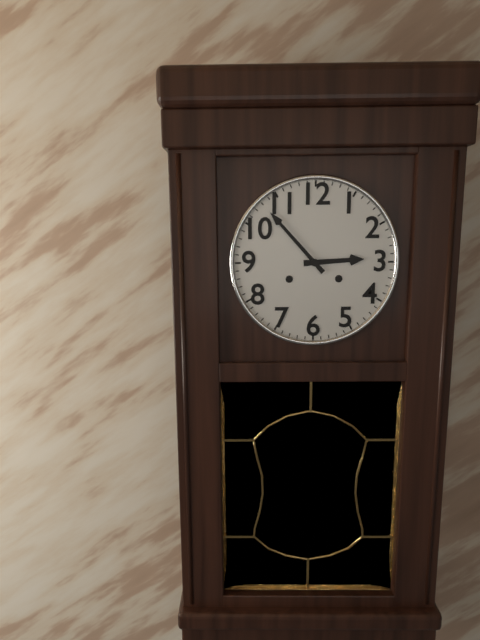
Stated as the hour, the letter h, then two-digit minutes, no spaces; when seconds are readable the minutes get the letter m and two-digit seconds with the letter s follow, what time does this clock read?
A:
2h53
